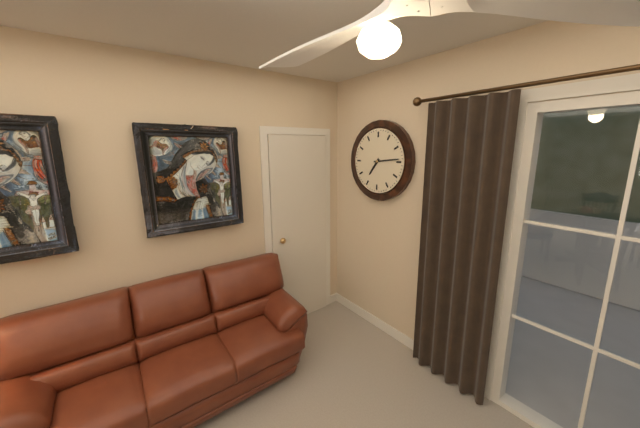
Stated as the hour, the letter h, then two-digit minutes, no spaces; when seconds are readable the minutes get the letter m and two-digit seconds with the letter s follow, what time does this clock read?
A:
7h14
